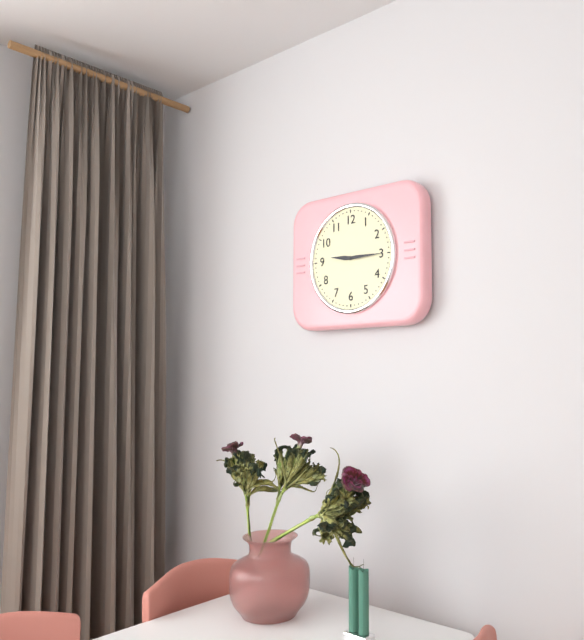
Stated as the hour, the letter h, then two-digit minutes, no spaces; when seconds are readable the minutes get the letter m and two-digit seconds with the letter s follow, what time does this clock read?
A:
9h15
